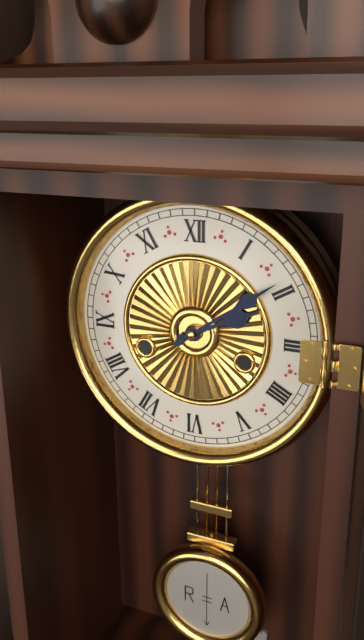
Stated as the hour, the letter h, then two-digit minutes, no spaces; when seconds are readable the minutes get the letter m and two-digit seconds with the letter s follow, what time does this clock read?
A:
2h09
